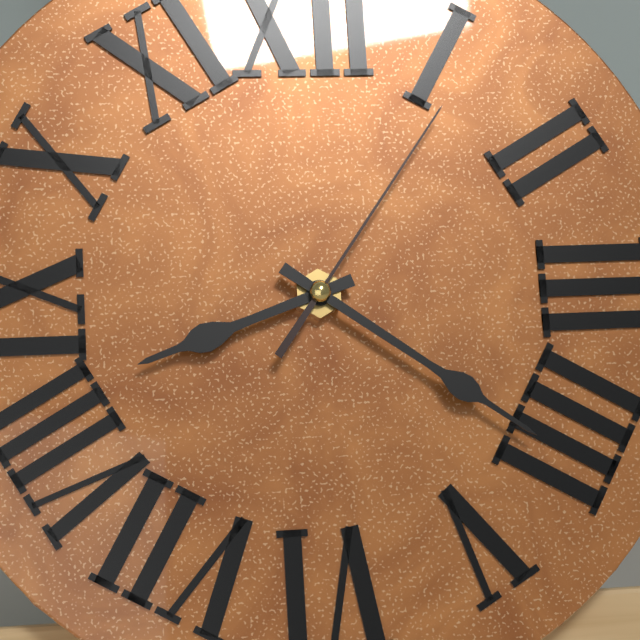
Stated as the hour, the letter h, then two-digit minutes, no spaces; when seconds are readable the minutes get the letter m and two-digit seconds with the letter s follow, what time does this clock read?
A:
8h21m06s
